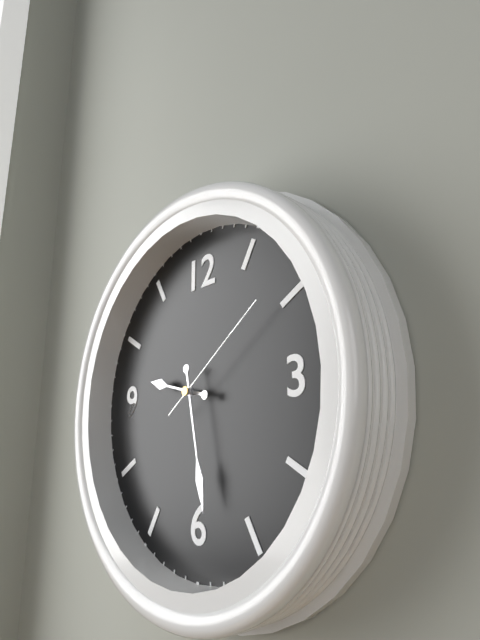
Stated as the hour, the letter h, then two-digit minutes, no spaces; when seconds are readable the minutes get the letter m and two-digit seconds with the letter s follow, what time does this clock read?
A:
9h28m09s
